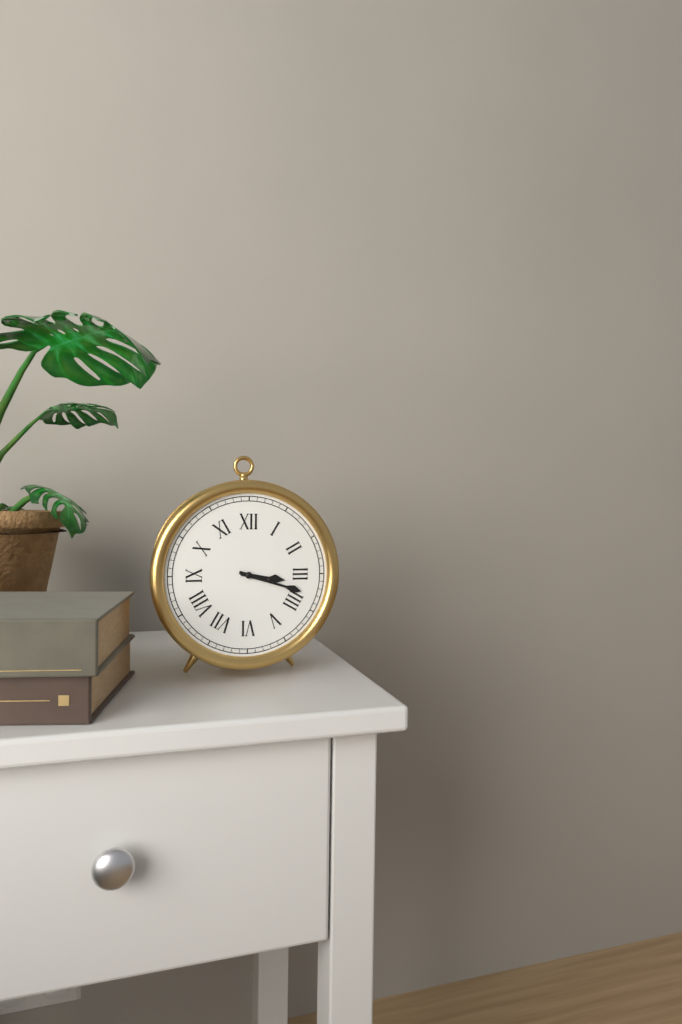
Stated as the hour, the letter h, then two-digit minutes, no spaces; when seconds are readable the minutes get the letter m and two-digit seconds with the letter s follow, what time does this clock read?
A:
3h18
